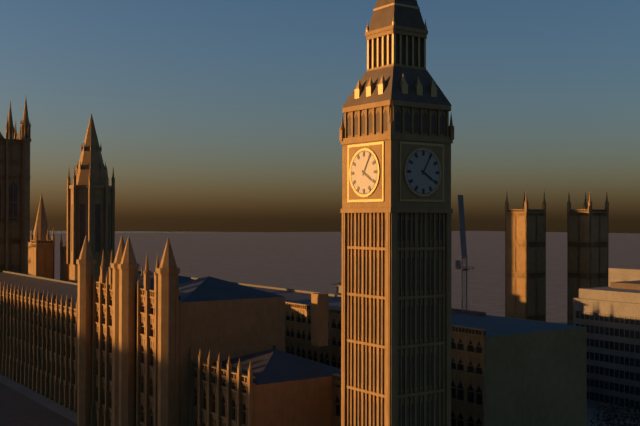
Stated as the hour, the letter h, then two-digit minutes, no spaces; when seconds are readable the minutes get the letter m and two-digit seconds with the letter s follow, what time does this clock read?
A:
4h05
